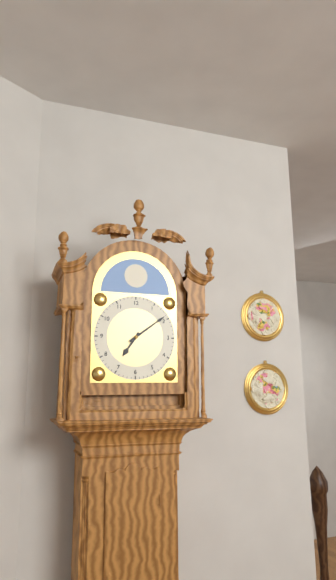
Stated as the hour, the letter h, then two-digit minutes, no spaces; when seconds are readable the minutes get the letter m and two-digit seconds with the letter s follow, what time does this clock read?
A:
7h09
